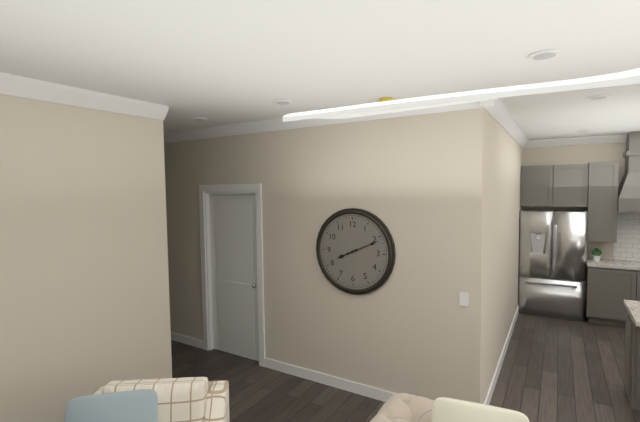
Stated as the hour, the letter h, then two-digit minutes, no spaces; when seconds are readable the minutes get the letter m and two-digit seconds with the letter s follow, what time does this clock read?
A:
8h11
